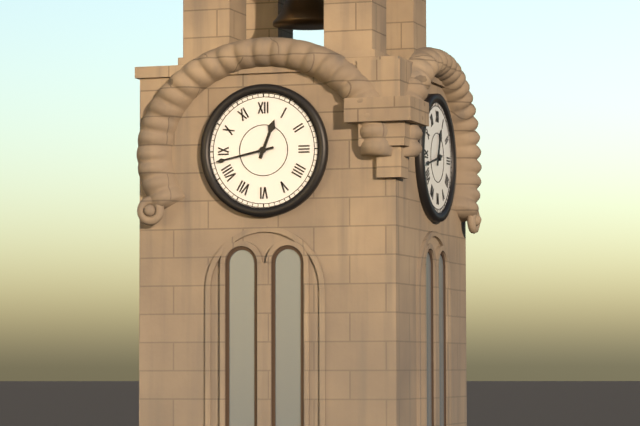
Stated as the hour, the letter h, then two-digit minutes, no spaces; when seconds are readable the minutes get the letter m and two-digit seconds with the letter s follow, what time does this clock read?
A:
12h43
